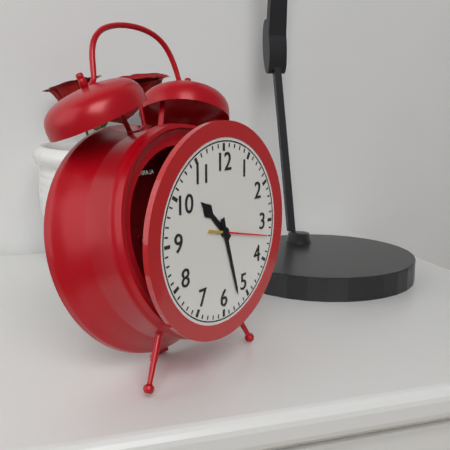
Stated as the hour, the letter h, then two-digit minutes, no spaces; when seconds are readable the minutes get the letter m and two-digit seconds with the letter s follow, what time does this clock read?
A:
10h27m17s
